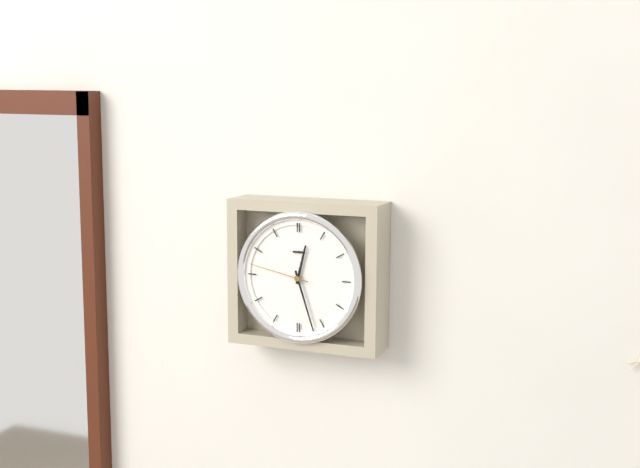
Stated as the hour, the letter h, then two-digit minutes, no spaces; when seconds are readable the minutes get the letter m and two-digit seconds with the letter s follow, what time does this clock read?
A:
12h27m47s
